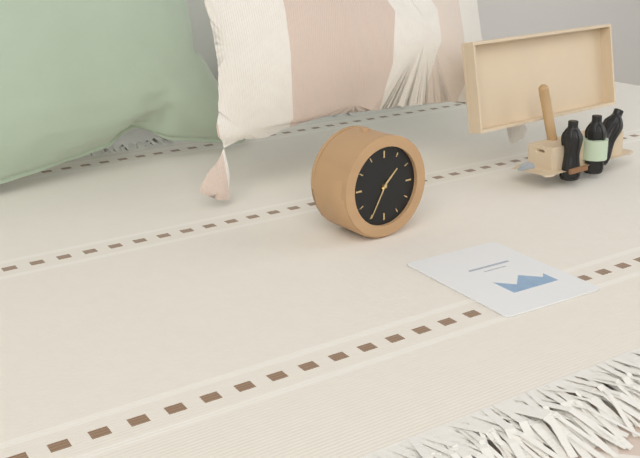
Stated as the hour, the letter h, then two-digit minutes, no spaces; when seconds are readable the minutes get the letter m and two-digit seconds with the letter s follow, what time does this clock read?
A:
1h35
